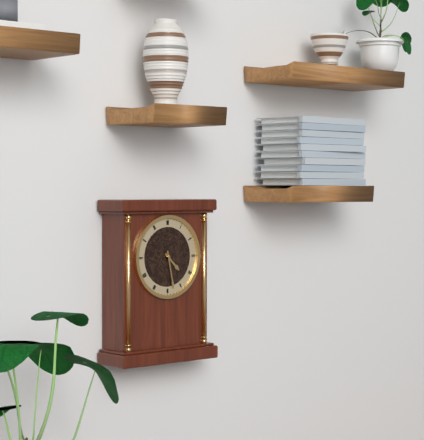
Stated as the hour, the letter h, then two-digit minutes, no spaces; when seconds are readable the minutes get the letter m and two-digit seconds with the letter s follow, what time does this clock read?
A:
4h28
